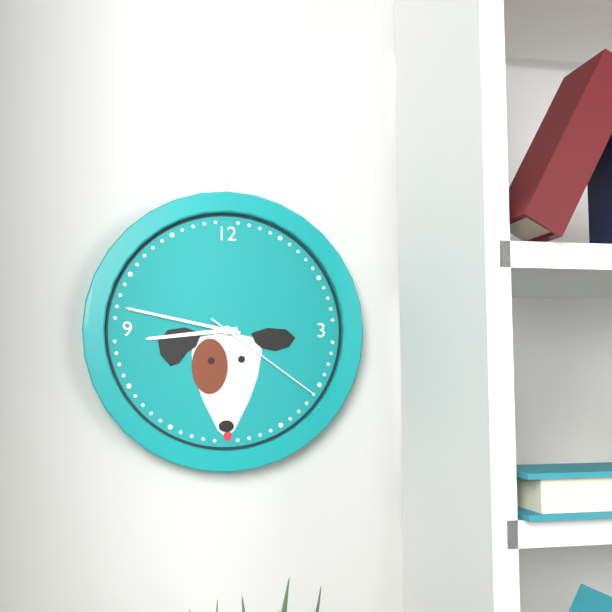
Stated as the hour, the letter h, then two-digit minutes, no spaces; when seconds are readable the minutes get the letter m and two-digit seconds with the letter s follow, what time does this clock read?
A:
8h47m21s
